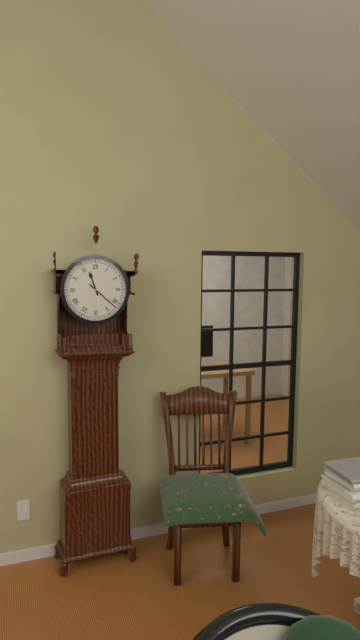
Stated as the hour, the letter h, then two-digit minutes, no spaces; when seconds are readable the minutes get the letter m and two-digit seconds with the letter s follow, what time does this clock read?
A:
11h22
